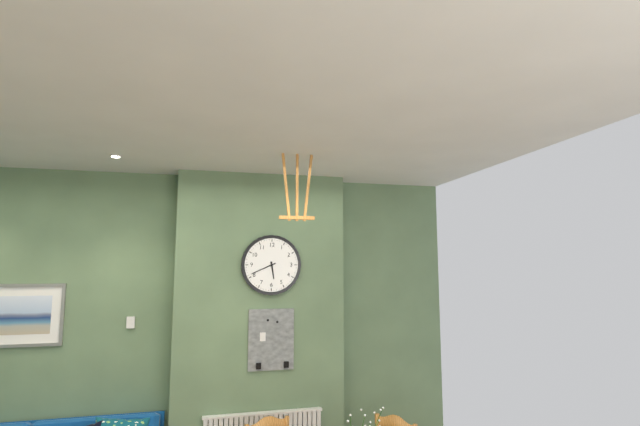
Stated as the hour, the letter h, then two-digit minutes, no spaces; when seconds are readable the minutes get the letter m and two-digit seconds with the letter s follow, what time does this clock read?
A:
5h41
